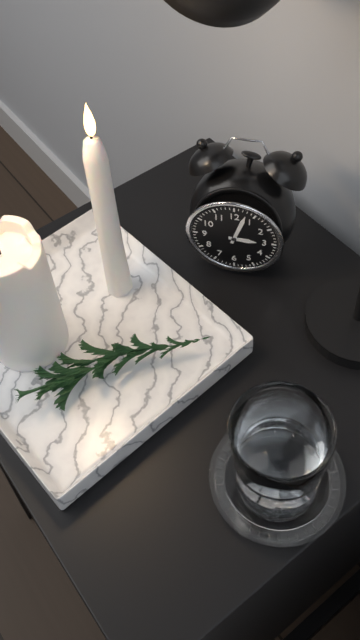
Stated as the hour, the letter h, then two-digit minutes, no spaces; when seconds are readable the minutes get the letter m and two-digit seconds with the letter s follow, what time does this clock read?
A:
3h03
